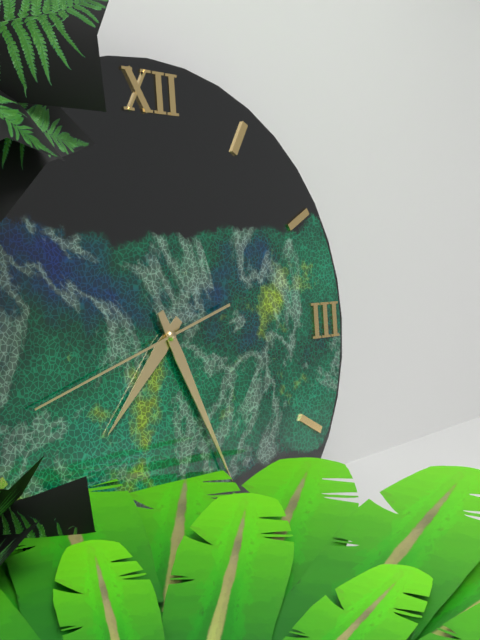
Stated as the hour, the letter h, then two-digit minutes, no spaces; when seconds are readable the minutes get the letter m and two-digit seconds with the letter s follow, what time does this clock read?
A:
7h26m42s
